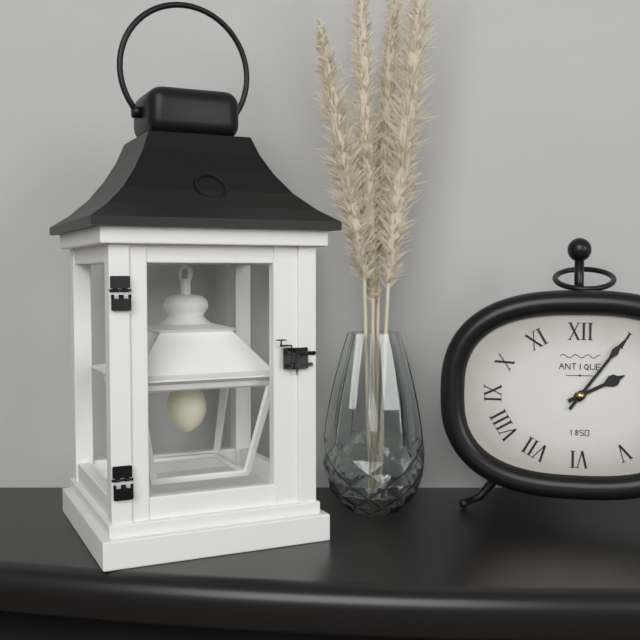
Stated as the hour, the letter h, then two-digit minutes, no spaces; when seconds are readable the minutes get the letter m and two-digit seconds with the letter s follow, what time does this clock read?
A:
2h06
